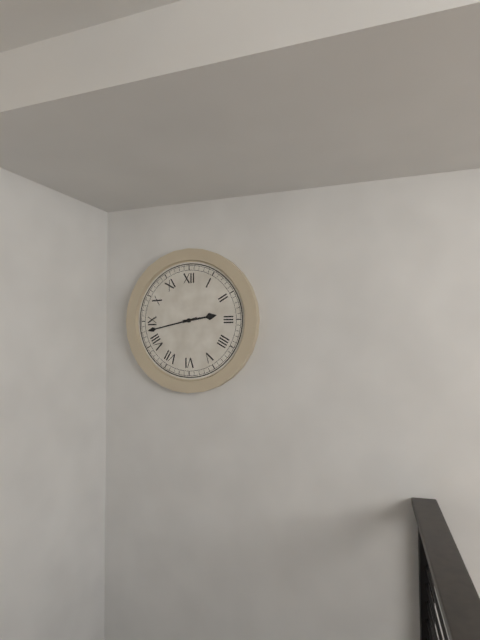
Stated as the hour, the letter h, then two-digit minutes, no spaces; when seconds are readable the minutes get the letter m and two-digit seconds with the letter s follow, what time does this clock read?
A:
2h43
